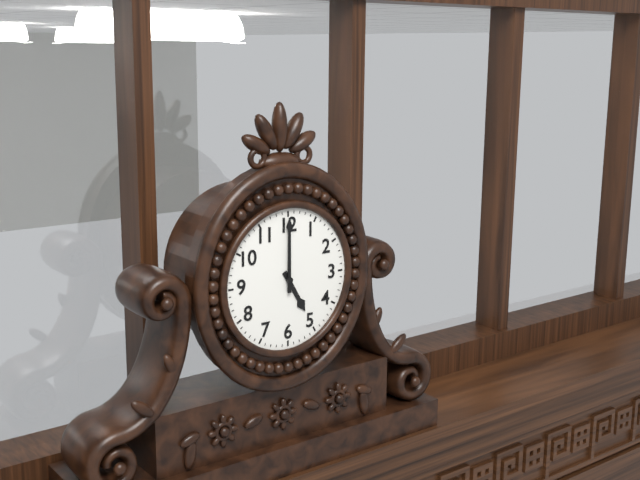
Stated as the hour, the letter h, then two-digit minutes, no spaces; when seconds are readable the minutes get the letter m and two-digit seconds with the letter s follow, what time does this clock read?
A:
5h00
